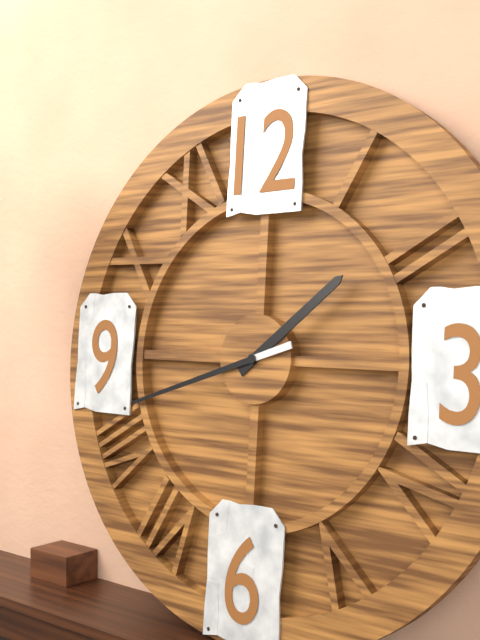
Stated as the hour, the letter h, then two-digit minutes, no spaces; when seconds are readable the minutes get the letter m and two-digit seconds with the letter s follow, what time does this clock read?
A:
1h42
